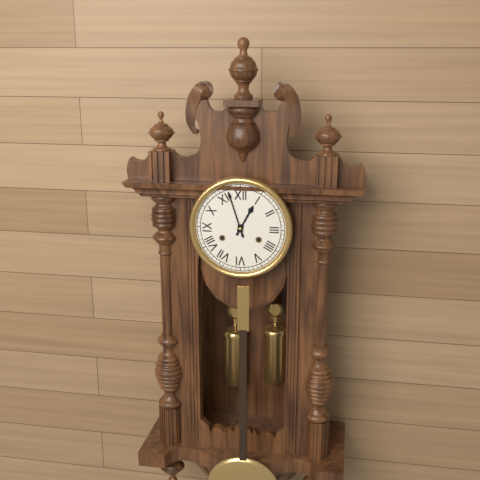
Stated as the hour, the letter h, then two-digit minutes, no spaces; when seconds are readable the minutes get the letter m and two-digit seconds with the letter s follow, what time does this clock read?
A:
12h57
